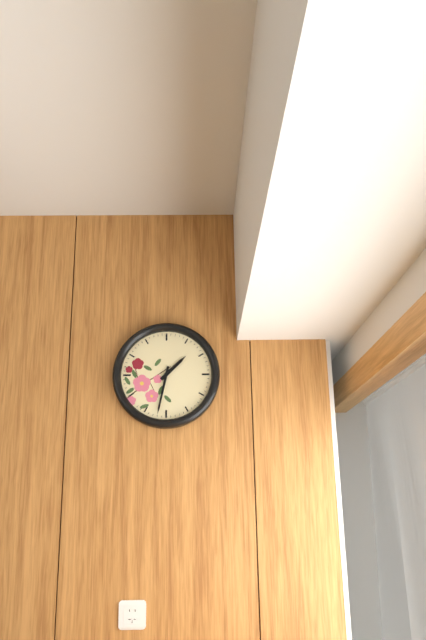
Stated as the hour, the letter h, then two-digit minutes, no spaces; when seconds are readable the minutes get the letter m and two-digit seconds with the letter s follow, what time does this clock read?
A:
1h32
